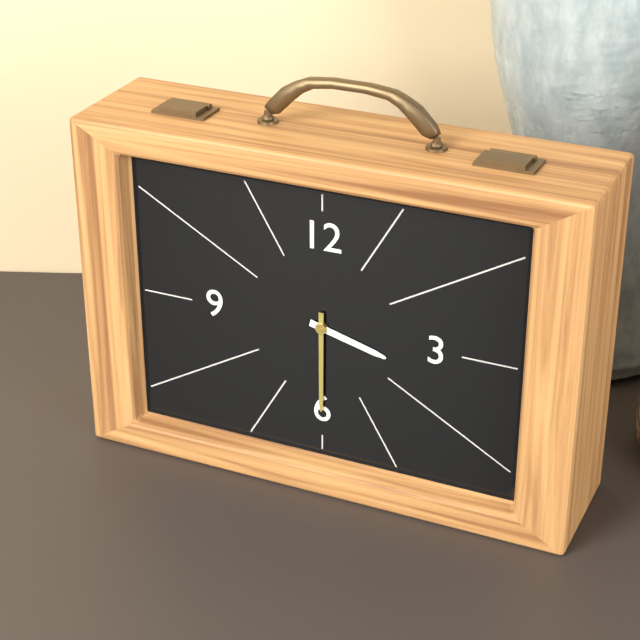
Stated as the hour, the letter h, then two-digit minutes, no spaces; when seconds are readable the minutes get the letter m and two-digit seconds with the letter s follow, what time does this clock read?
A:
3h30
